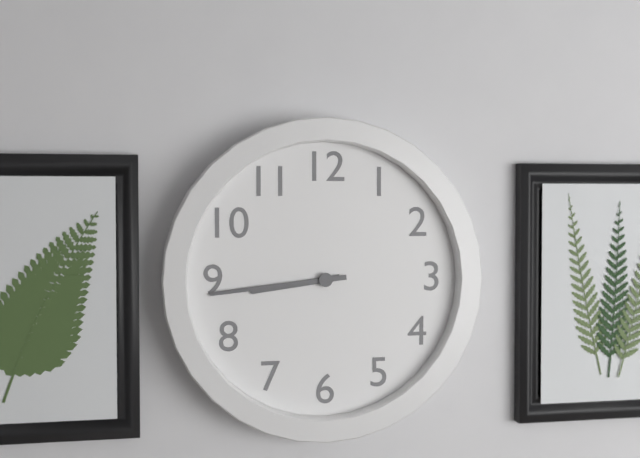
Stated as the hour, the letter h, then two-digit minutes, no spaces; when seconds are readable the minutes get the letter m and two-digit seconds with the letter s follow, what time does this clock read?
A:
8h44
